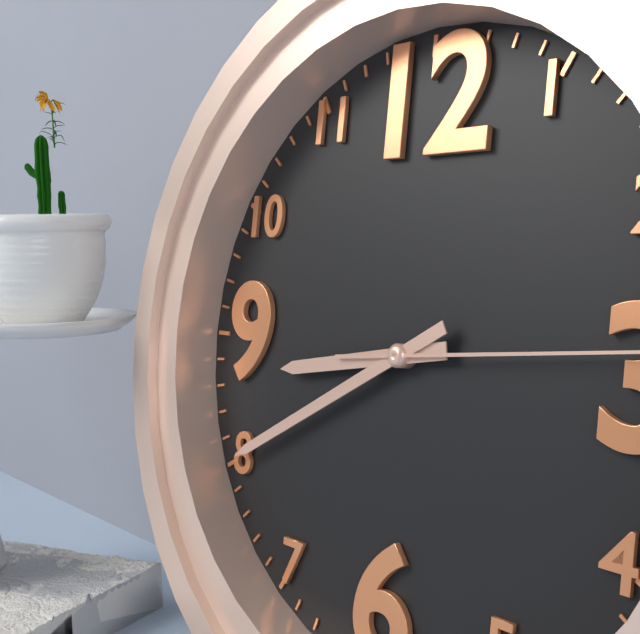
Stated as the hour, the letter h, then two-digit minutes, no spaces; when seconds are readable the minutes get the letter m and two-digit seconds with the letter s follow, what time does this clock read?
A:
8h40
